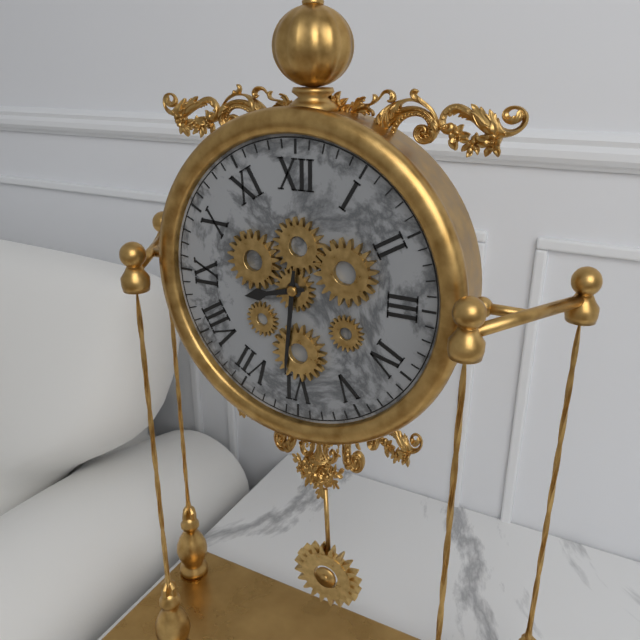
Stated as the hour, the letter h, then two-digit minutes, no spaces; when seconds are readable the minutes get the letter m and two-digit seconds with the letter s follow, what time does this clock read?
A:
8h31
